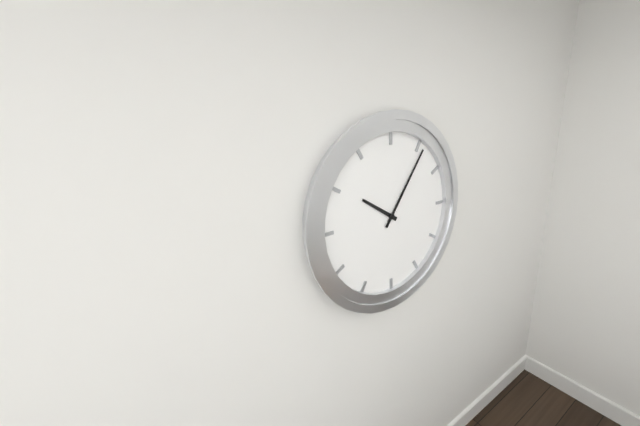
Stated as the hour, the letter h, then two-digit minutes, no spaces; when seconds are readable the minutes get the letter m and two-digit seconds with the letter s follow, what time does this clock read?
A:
10h06
